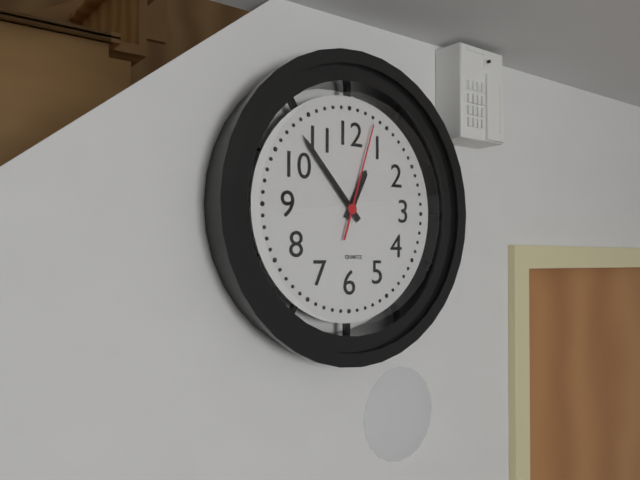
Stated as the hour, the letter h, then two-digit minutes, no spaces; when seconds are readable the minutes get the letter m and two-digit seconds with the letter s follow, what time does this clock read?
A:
12h53m03s
